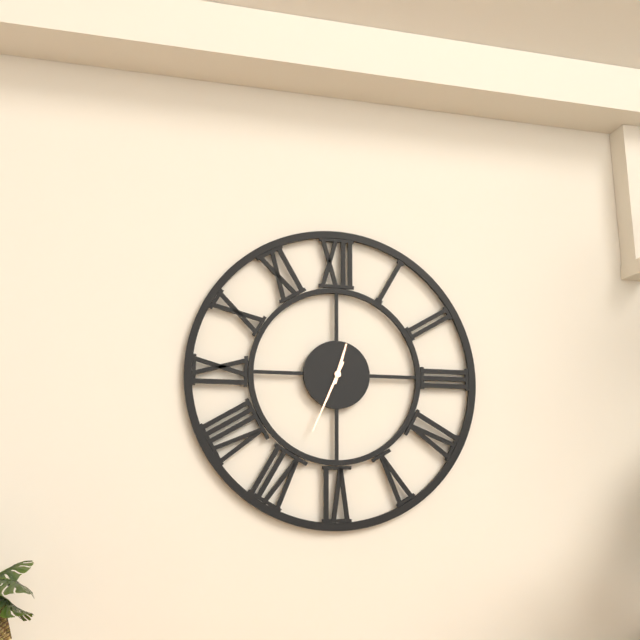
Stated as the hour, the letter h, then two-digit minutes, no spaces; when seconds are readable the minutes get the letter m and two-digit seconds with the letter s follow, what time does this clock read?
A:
12h34
